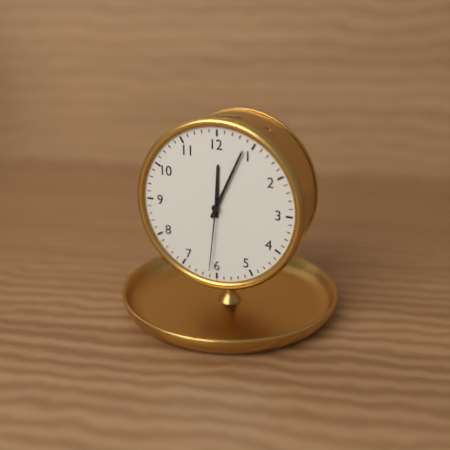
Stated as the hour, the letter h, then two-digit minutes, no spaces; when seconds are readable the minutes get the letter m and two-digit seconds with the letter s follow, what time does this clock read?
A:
12h04m31s
